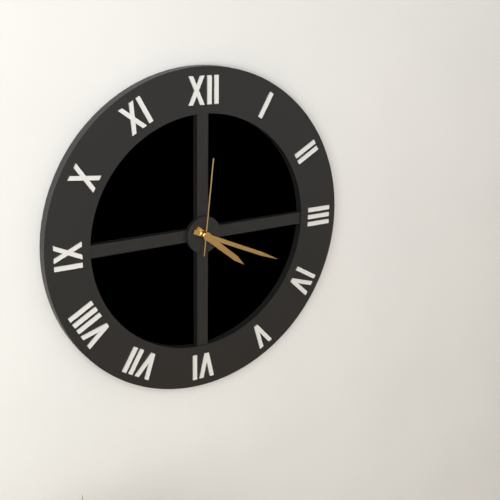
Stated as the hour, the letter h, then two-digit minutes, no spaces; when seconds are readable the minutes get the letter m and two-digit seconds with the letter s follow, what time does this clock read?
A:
4h19m01s
